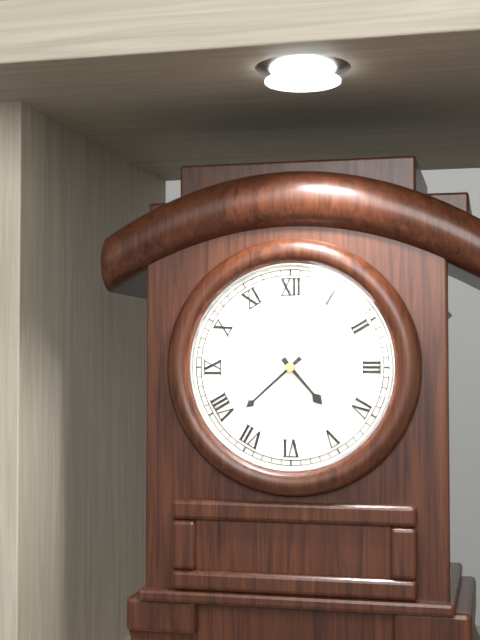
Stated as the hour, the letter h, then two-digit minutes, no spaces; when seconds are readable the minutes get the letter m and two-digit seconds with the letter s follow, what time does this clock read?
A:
4h38
